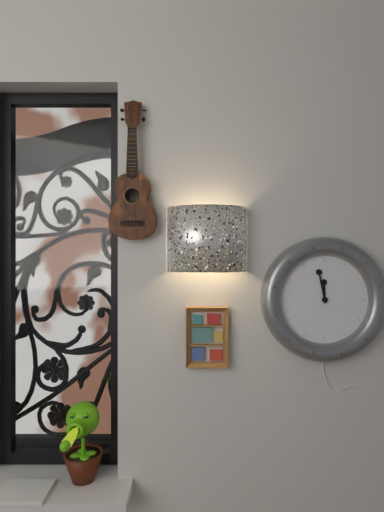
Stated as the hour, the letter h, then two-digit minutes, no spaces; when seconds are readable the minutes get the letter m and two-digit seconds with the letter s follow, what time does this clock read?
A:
11h58
